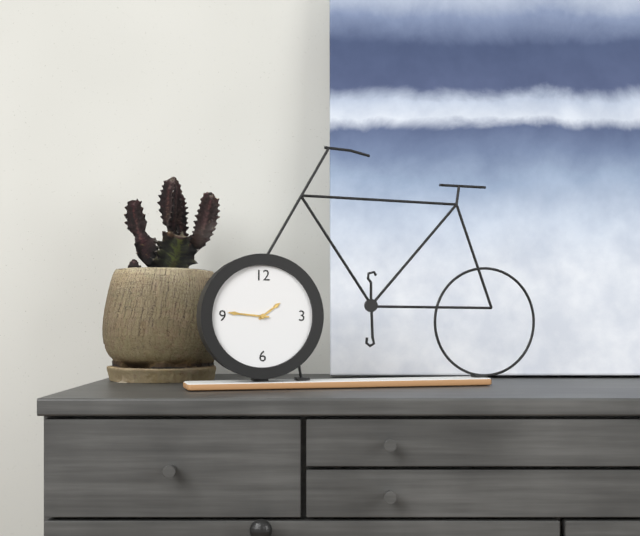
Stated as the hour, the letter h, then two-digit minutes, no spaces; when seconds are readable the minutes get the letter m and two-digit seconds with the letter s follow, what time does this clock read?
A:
1h46
